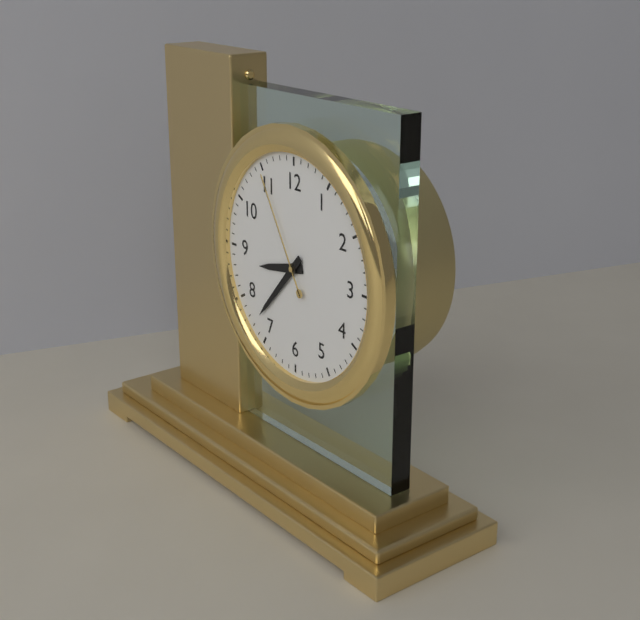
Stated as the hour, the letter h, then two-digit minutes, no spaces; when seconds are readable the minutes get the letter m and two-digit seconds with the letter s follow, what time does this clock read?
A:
8h37m55s
